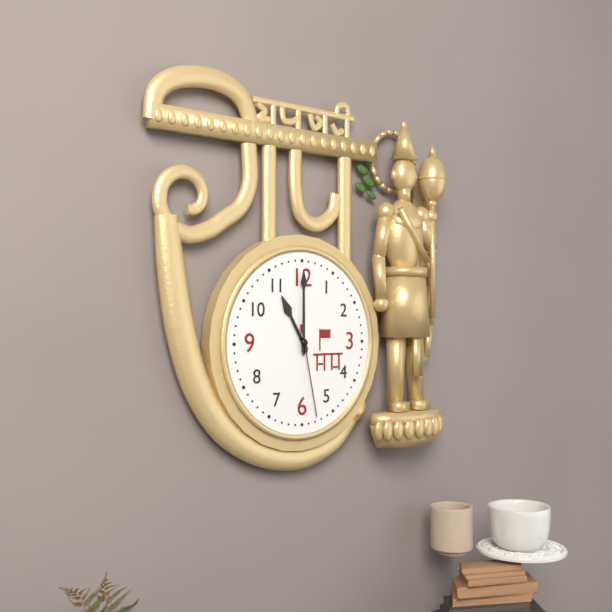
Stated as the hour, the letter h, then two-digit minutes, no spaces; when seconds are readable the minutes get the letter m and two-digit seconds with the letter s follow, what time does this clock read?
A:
11h00m28s
